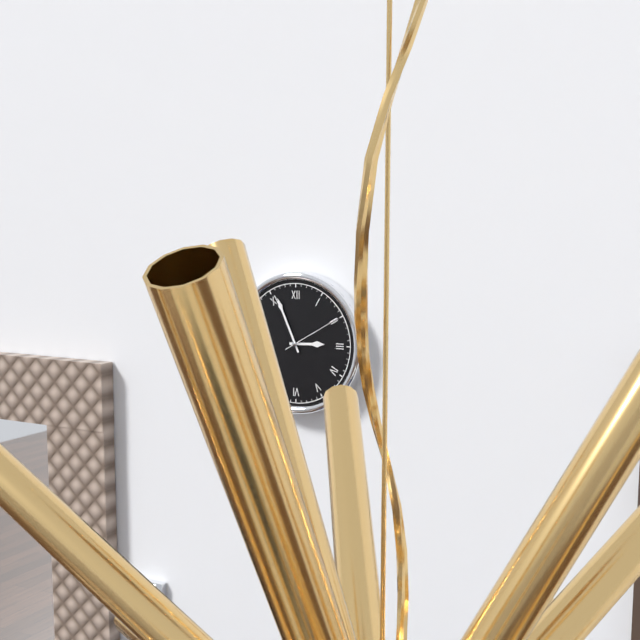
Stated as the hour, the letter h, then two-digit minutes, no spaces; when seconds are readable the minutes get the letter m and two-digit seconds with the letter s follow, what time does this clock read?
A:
2h56m10s
